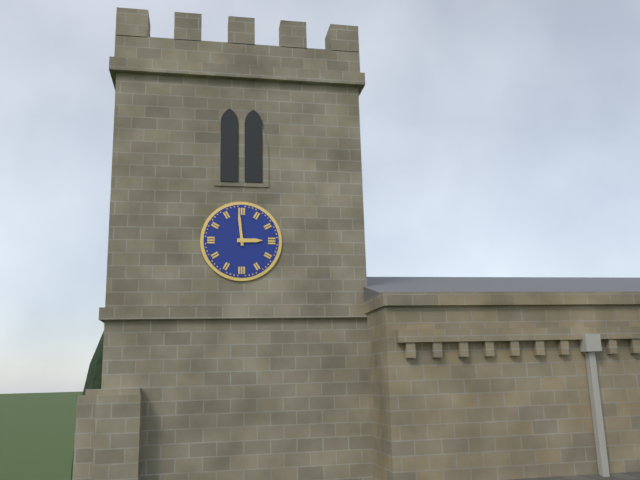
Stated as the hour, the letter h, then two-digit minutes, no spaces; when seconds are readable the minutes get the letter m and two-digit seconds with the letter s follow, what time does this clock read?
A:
2h59
